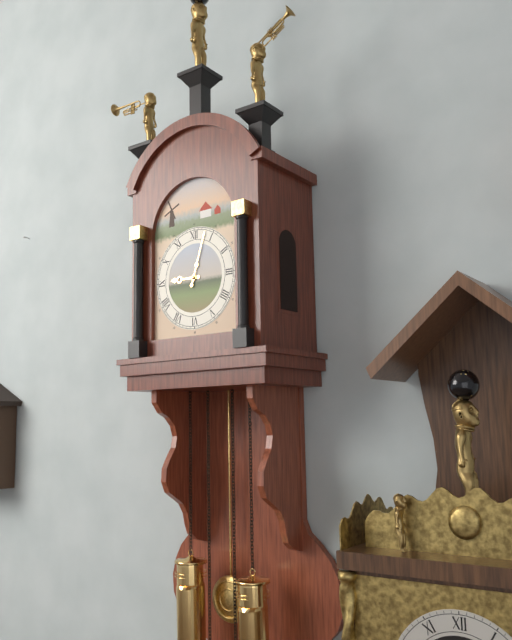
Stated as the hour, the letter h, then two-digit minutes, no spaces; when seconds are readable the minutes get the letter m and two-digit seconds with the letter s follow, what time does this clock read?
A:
9h03
